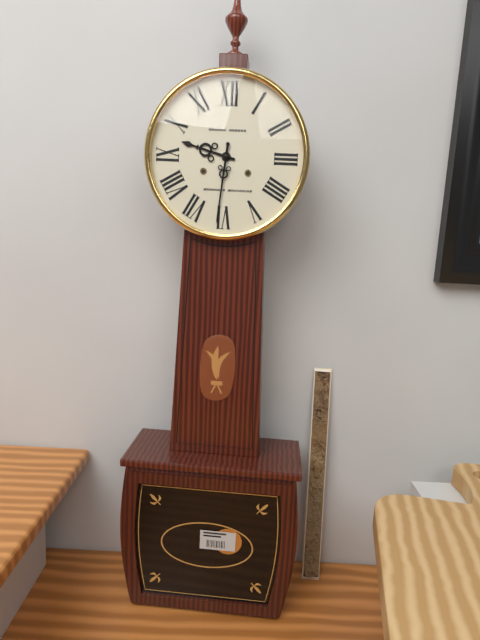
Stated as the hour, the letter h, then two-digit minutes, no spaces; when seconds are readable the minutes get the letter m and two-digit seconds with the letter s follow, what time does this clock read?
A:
9h31
